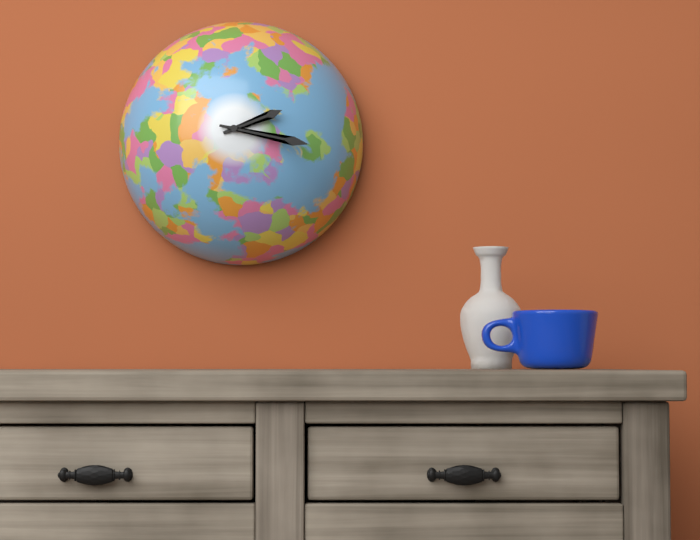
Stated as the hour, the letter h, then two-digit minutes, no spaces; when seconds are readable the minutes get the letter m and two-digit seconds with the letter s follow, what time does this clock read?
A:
2h17
